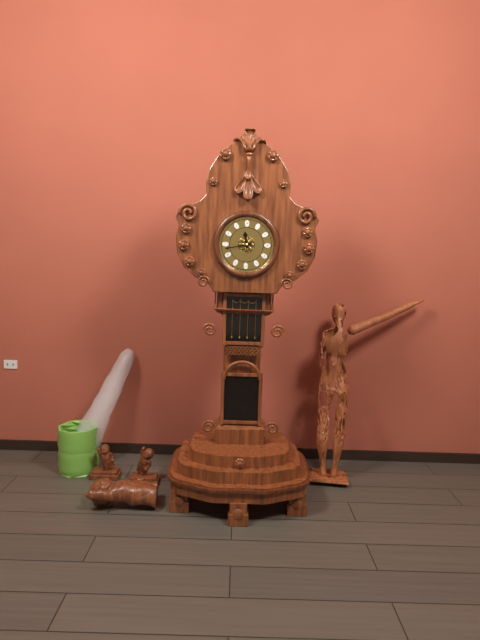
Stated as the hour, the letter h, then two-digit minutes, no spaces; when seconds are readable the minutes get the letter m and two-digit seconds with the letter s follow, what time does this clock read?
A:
11h43
